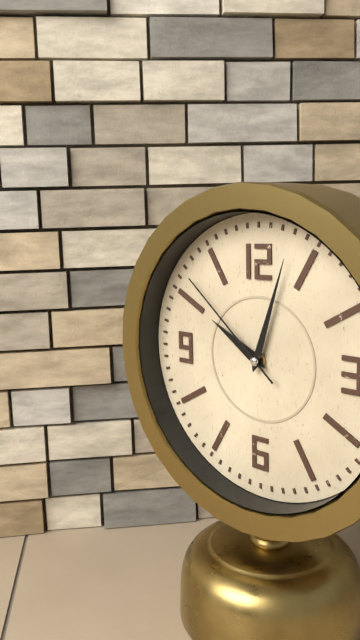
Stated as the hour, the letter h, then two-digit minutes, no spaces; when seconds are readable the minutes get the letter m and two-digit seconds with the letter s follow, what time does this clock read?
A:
10h03m52s
